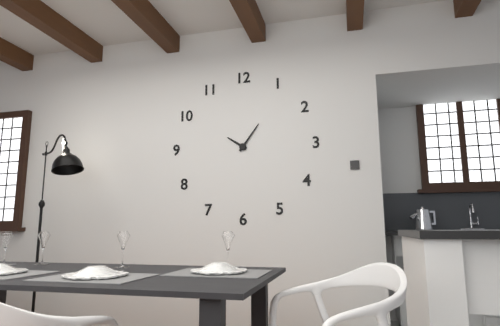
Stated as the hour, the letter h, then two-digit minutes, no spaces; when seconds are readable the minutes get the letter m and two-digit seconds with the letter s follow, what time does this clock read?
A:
10h06
